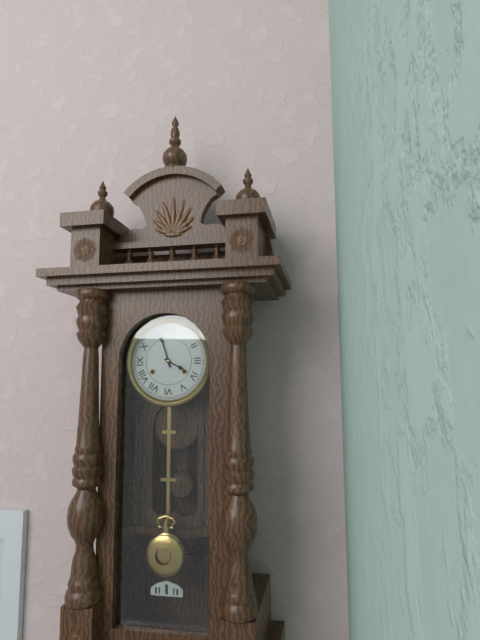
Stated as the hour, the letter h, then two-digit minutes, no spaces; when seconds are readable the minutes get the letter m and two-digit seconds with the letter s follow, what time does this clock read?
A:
3h57
